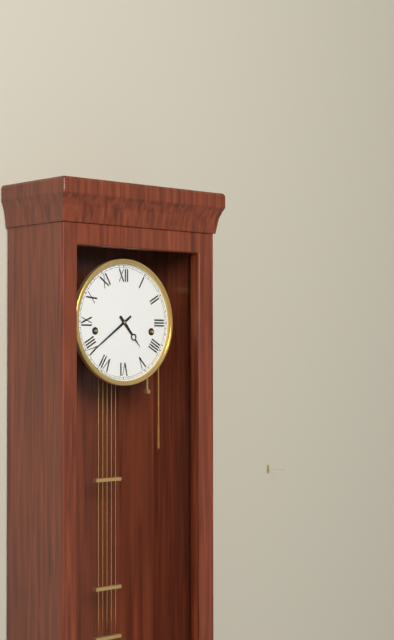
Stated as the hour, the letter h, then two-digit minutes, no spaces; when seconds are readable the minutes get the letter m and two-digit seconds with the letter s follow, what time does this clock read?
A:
4h39
